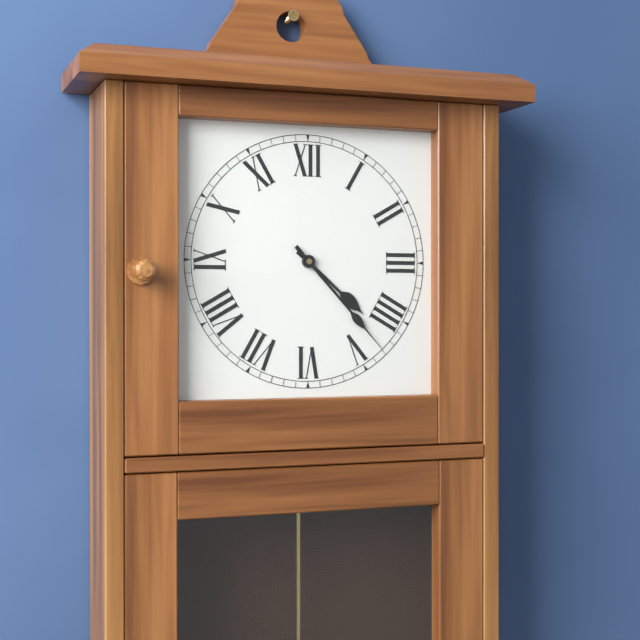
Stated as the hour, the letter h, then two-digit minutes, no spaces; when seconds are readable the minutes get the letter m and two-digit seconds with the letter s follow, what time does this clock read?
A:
4h23
